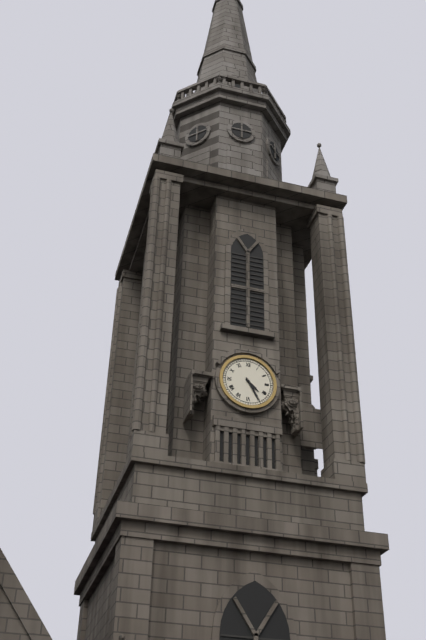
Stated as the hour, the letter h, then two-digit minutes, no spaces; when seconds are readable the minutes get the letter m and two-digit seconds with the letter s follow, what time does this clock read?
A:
4h25
